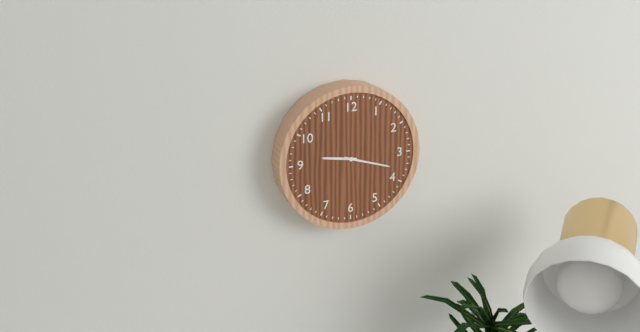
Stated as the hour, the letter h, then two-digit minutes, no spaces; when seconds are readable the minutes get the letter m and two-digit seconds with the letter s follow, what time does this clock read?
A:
9h18
